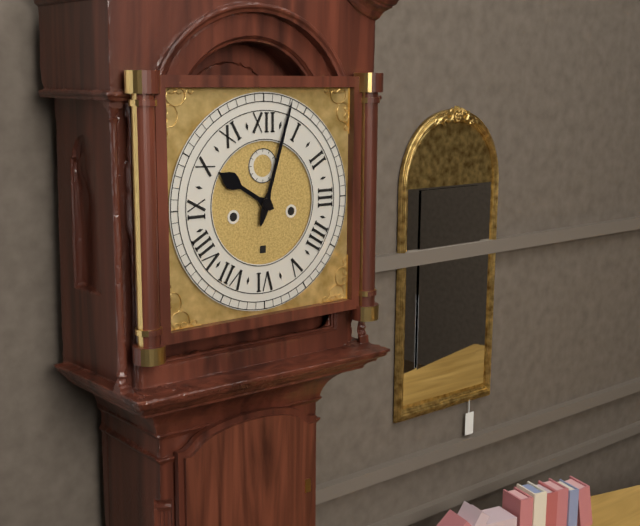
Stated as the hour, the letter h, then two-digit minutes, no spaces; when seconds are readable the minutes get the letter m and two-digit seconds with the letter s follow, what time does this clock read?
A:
10h03
